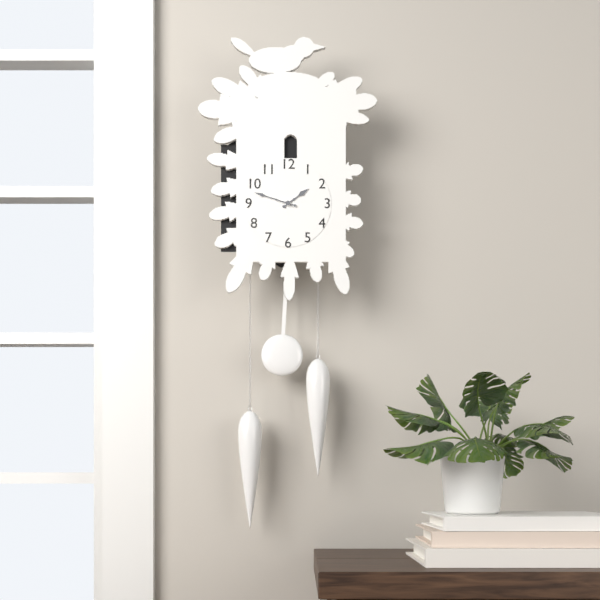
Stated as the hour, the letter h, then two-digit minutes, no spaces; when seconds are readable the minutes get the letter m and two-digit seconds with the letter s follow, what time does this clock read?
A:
1h48
